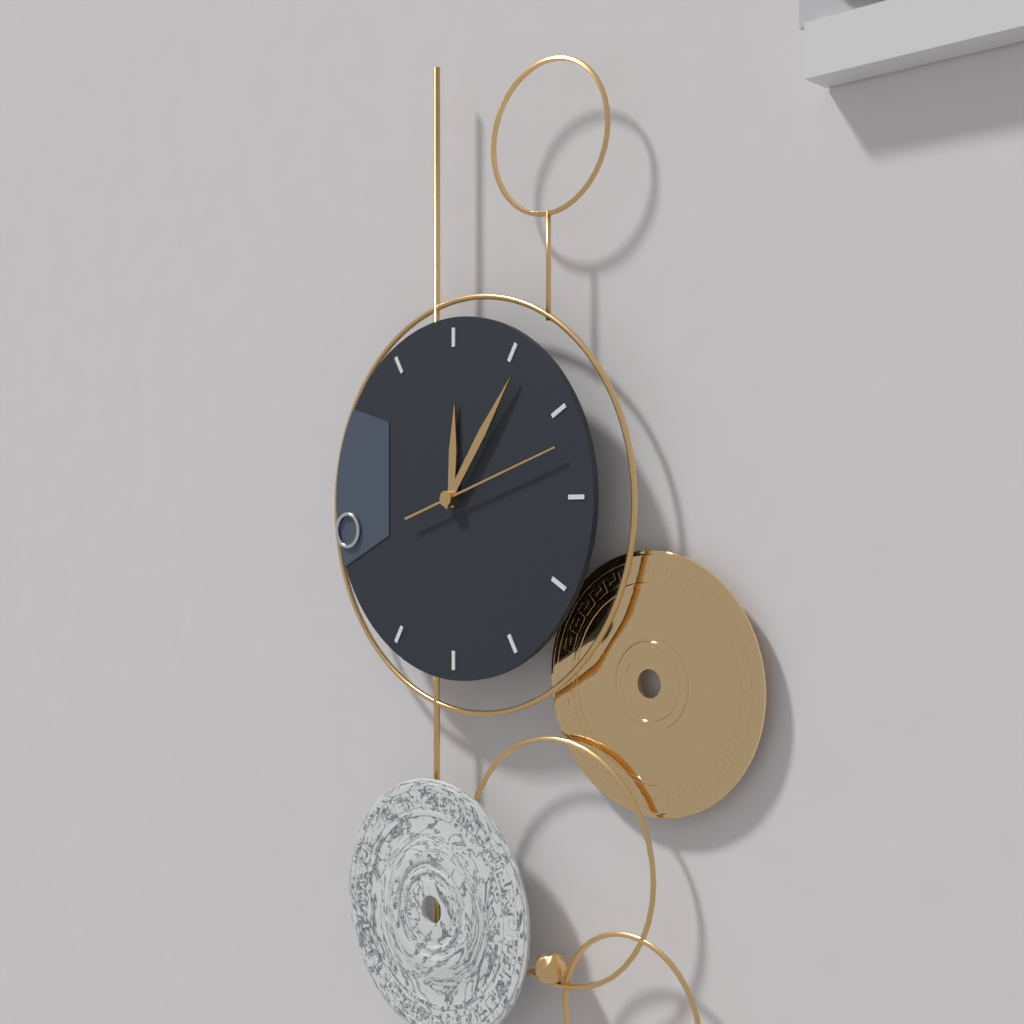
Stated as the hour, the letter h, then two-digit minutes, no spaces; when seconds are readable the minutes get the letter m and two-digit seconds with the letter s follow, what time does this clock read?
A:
12h06m12s
